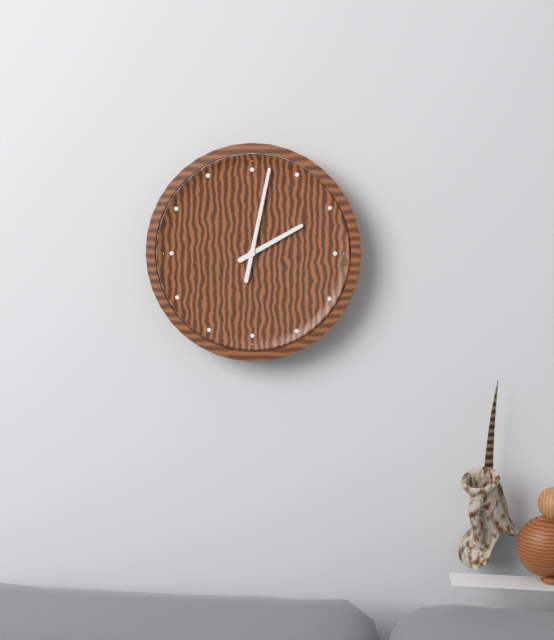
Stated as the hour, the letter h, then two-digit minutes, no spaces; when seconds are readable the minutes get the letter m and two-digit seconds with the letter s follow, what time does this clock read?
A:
2h02
